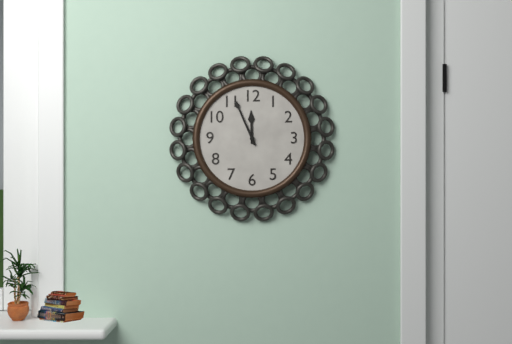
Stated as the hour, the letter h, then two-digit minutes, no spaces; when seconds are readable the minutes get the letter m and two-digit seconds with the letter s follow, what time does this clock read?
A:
11h56
